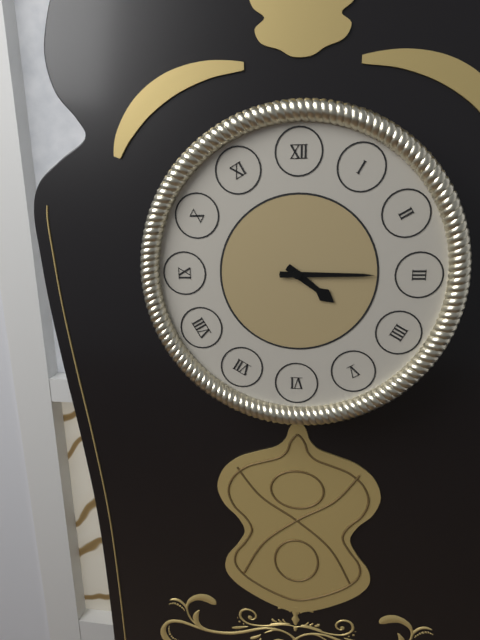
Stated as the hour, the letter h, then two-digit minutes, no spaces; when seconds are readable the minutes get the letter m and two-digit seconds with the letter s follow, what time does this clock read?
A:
4h15
